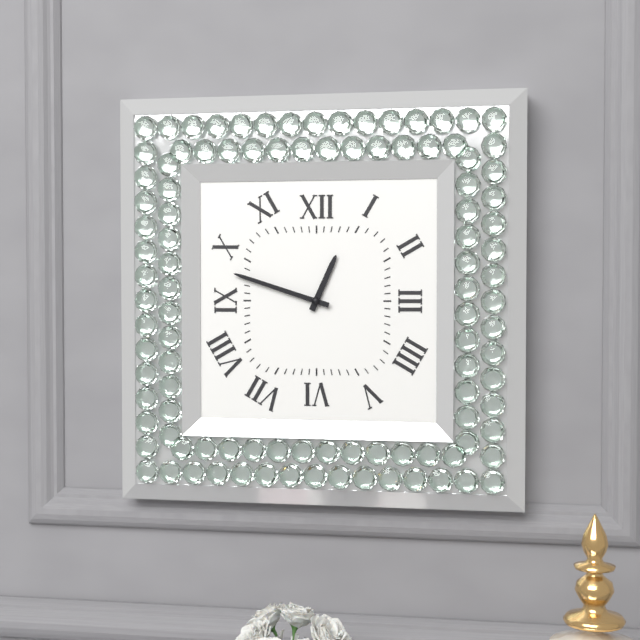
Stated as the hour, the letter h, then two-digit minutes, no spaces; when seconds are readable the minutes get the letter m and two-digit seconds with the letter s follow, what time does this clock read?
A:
12h48
